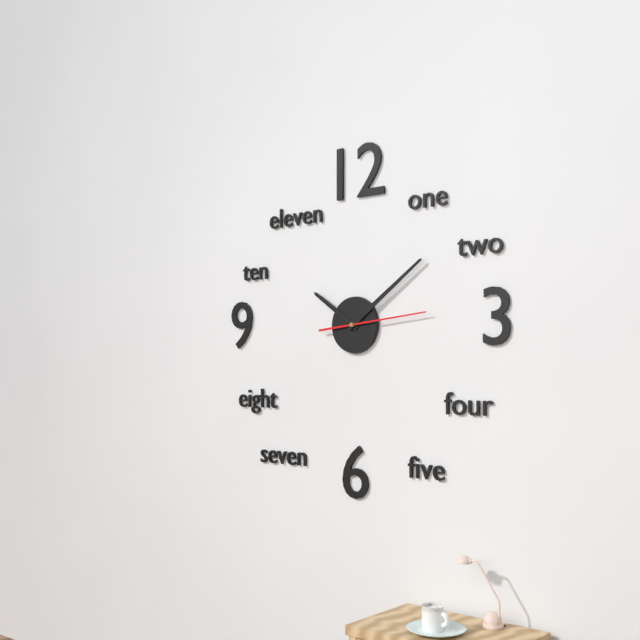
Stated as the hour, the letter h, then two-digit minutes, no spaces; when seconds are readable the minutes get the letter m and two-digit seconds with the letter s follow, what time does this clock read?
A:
10h09m14s
